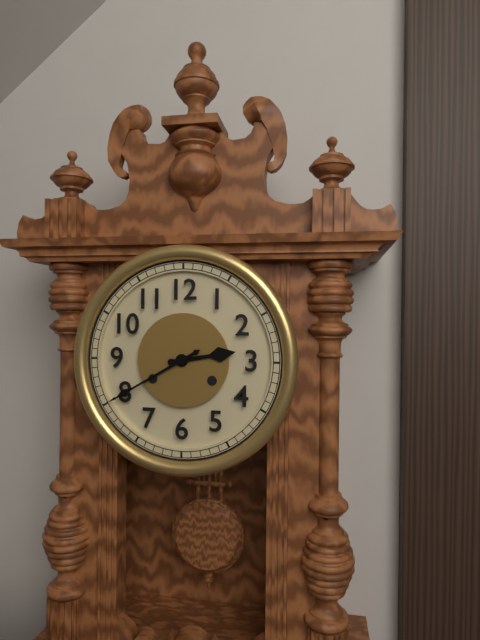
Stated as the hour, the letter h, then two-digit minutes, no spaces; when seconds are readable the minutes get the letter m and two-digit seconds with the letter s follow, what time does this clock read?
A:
2h40
